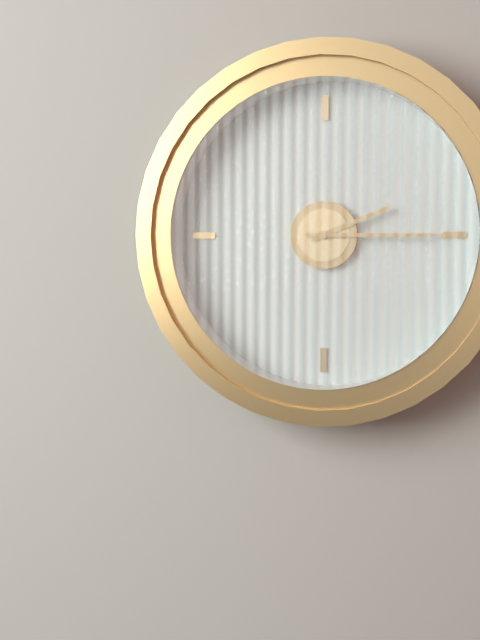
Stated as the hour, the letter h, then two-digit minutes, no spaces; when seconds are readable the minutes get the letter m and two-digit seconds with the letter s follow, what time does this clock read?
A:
2h15
